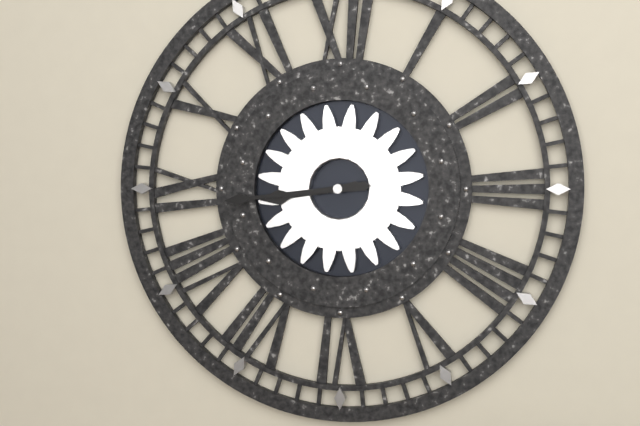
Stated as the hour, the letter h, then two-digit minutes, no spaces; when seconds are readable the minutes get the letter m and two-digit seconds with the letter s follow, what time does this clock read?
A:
8h44
